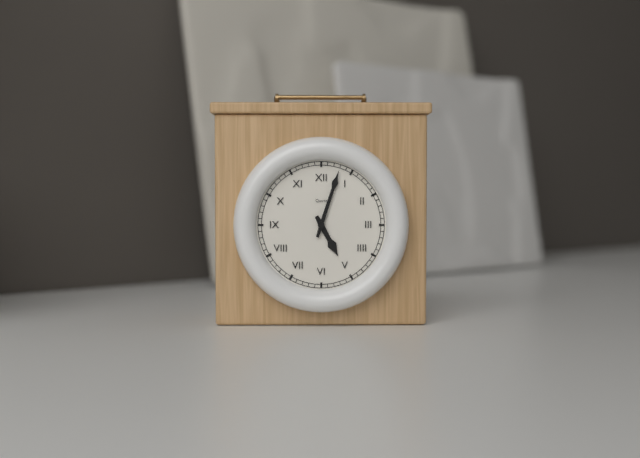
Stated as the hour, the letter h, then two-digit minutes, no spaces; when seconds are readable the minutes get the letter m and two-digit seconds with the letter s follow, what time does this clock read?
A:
5h03
